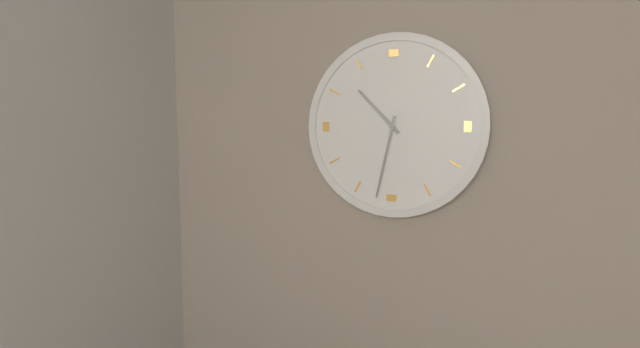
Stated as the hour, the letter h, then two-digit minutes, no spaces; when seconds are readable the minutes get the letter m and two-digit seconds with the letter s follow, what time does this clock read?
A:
10h32
